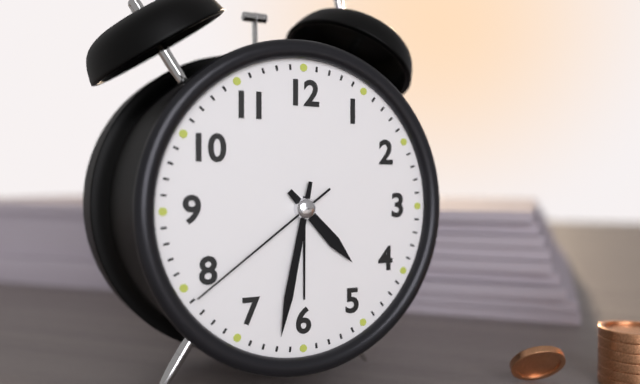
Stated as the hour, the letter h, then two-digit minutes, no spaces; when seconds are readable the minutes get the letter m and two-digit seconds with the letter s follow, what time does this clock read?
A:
4h32m39s
